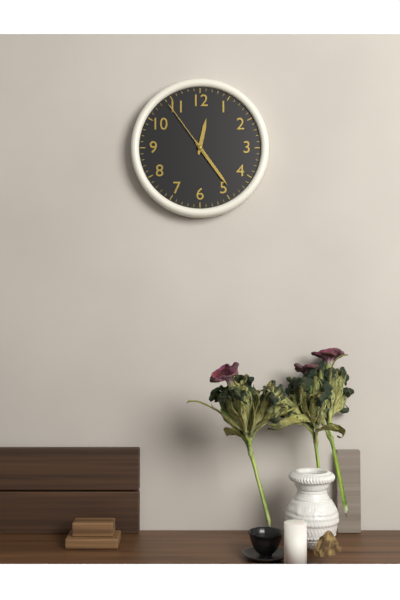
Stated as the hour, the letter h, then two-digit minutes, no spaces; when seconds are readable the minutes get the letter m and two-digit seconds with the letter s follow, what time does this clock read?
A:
12h24m54s
